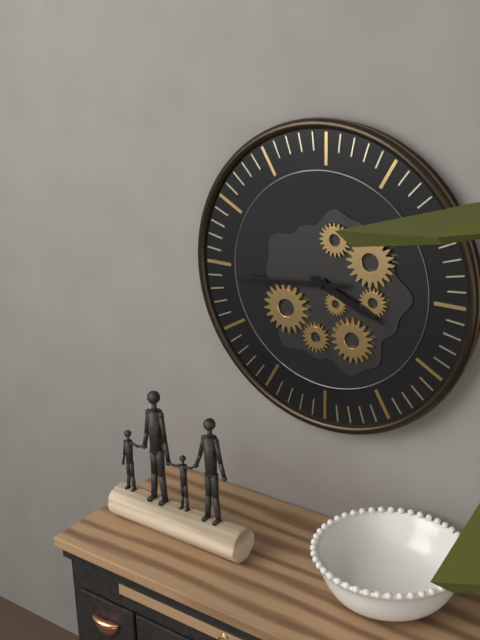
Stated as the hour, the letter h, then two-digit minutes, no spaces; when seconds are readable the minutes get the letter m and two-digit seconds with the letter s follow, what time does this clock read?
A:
3h44
